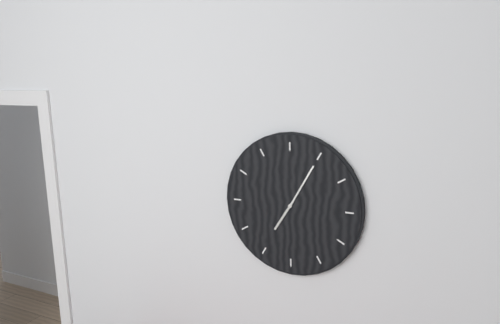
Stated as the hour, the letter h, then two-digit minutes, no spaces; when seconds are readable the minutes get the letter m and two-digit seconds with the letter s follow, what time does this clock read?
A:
7h05
